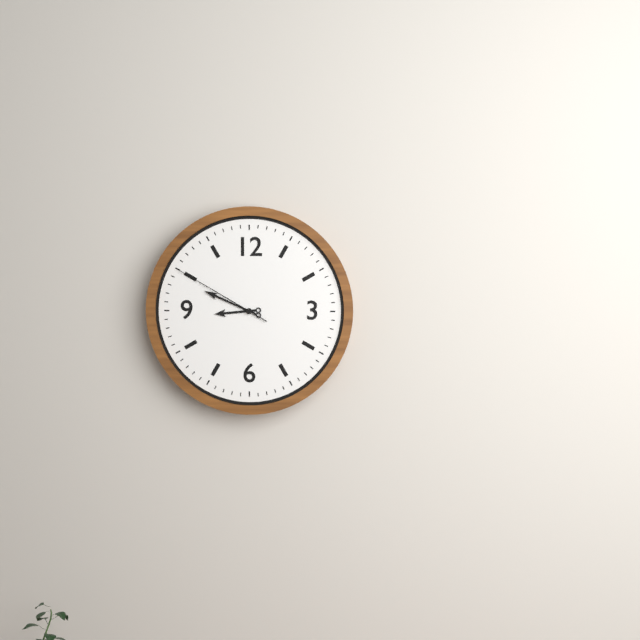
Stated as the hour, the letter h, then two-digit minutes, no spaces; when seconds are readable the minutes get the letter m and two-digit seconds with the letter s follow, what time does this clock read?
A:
8h49m50s
